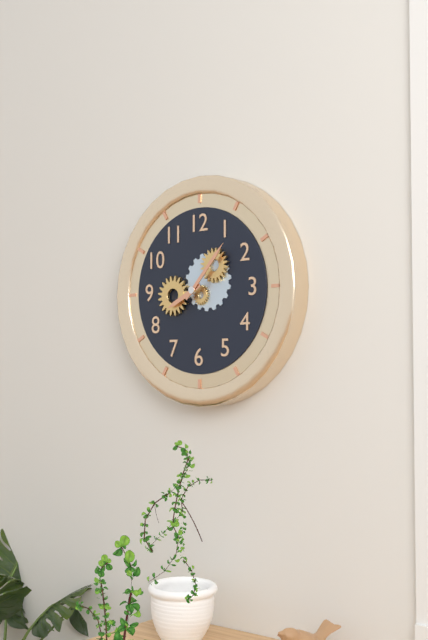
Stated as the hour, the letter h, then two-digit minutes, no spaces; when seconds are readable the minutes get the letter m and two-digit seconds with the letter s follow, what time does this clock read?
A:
8h07
